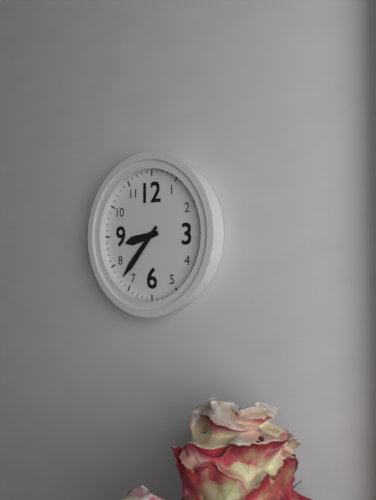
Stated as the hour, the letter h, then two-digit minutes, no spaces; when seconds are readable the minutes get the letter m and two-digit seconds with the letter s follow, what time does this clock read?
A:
8h37
